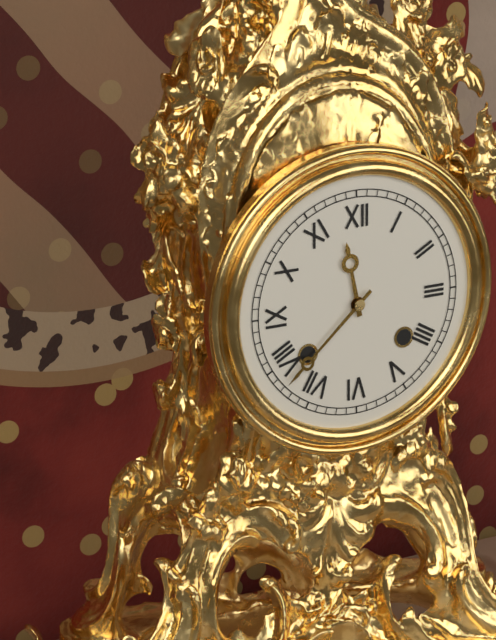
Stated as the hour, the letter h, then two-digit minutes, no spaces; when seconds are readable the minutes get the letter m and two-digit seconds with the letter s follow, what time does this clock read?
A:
11h38
